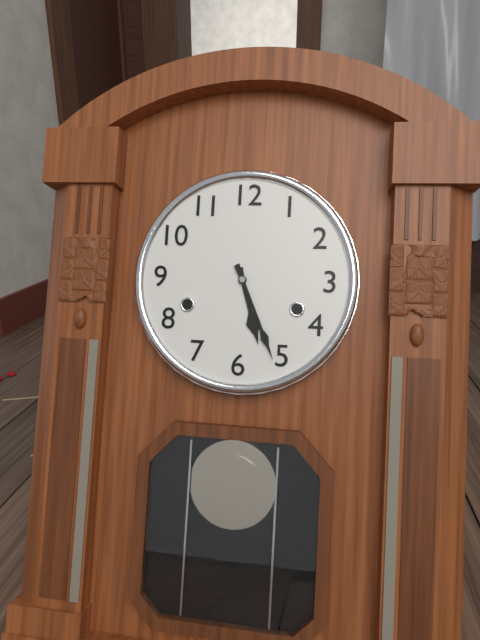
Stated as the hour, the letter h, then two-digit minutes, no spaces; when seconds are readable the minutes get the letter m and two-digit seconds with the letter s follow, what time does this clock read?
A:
5h26
